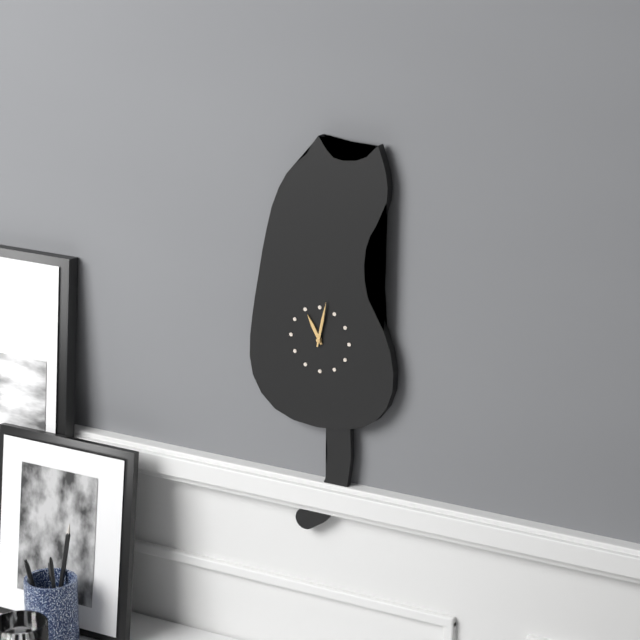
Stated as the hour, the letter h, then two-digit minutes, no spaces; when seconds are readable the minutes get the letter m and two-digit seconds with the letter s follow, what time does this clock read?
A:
11h02
